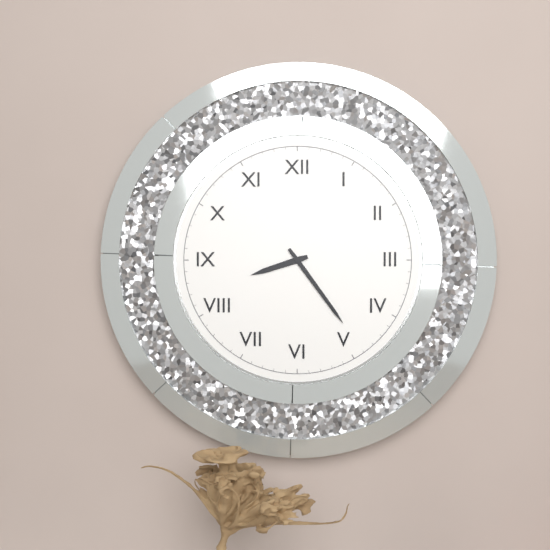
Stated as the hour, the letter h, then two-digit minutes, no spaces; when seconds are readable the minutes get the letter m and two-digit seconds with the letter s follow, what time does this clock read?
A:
8h24
